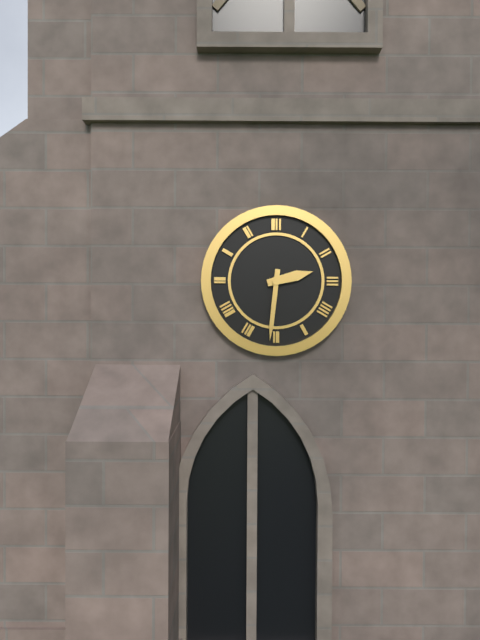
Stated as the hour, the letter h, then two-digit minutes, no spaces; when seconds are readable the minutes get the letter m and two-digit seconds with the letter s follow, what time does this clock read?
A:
2h31
